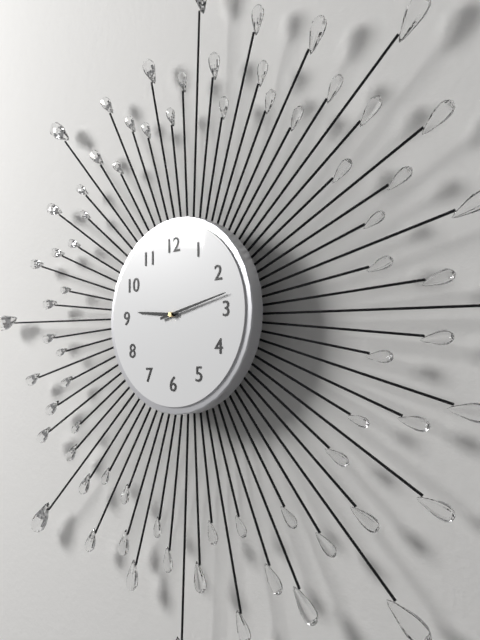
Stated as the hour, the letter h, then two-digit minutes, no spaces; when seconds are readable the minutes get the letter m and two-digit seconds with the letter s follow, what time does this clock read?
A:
9h13
